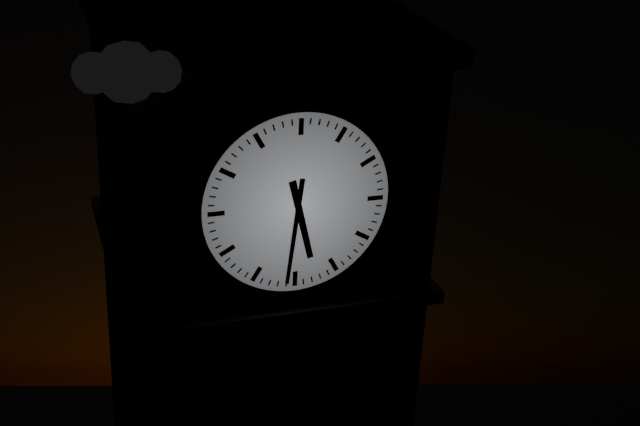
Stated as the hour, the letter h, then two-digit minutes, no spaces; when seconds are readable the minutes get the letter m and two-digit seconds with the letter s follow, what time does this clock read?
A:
5h31
